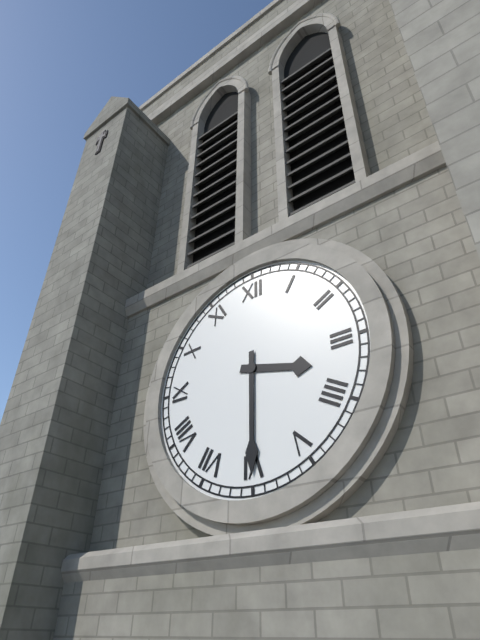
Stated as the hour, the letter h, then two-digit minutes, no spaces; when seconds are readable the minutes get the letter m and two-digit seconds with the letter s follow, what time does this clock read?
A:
3h30
